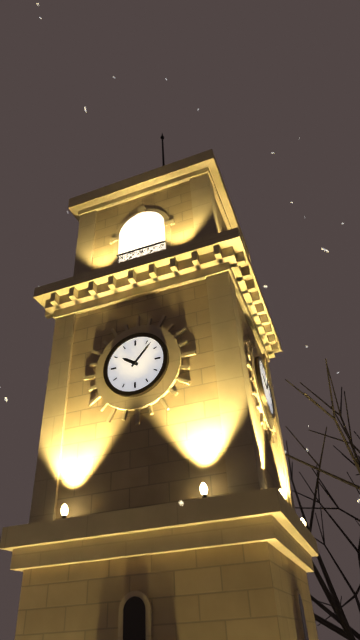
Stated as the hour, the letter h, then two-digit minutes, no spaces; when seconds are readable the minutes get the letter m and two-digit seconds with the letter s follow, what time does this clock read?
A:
10h07
